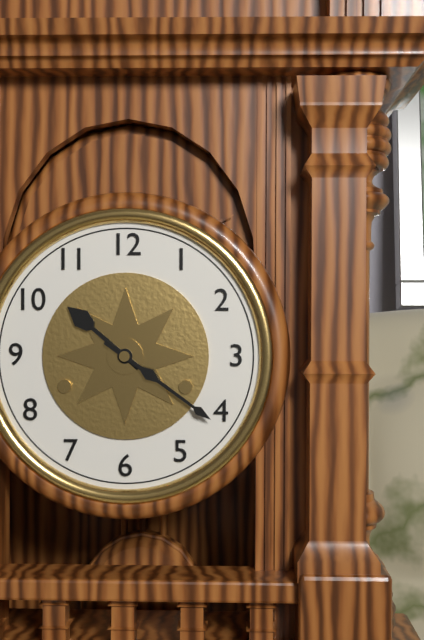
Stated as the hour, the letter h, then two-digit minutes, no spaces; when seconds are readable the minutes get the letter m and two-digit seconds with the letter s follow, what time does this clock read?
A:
10h21
